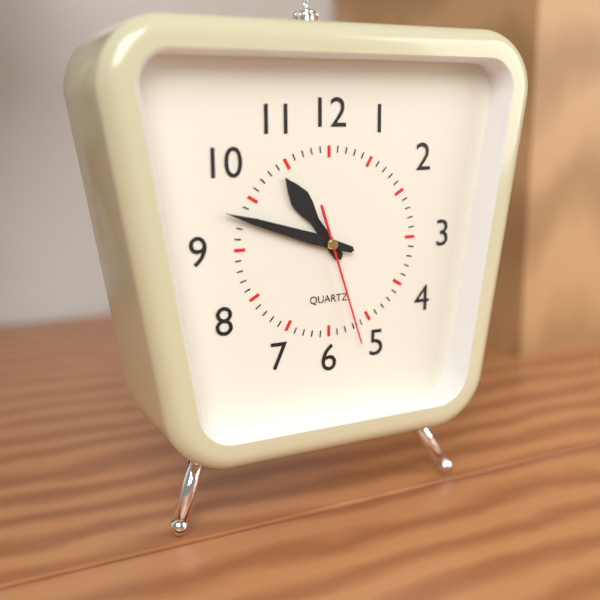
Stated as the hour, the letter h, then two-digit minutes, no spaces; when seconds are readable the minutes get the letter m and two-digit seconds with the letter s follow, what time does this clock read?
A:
10h48m27s
